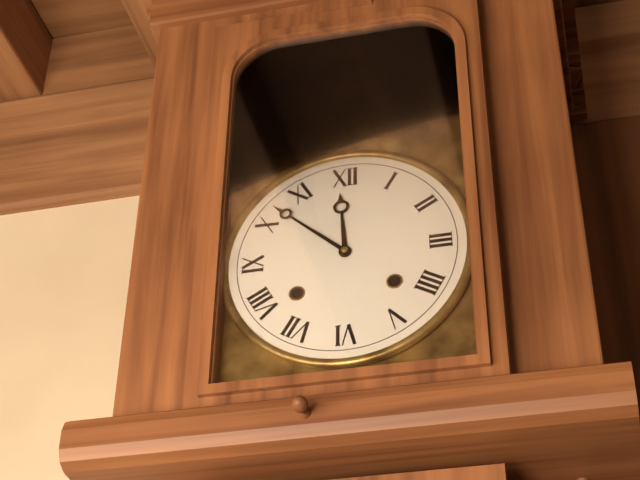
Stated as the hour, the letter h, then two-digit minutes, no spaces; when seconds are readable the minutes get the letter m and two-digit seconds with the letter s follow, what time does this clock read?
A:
11h52
